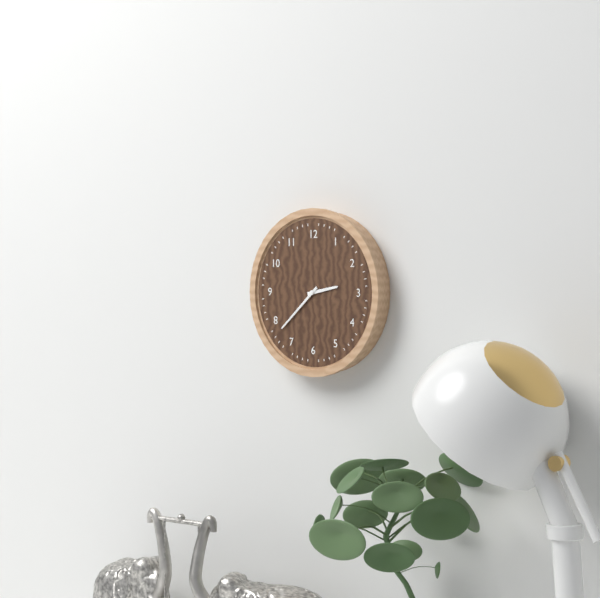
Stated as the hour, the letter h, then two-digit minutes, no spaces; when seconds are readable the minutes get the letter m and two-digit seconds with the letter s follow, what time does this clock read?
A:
2h38
